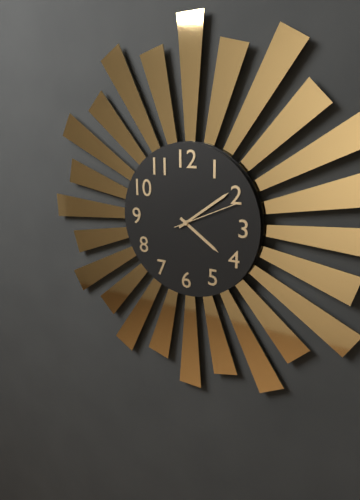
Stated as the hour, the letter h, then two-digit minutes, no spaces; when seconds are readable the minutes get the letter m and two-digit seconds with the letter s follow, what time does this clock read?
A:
4h09m11s
